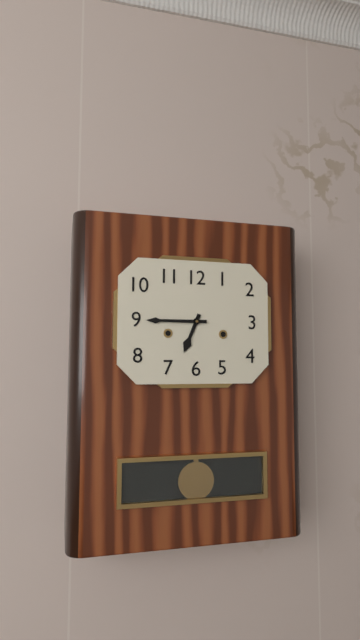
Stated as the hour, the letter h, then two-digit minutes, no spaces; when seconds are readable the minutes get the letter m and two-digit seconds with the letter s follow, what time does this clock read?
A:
6h45
